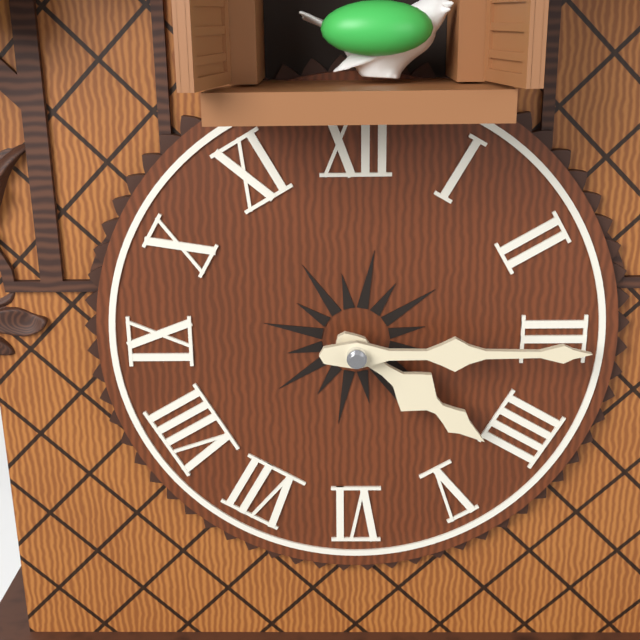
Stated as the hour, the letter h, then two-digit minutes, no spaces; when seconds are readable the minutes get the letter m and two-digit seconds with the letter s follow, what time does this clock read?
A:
4h15
